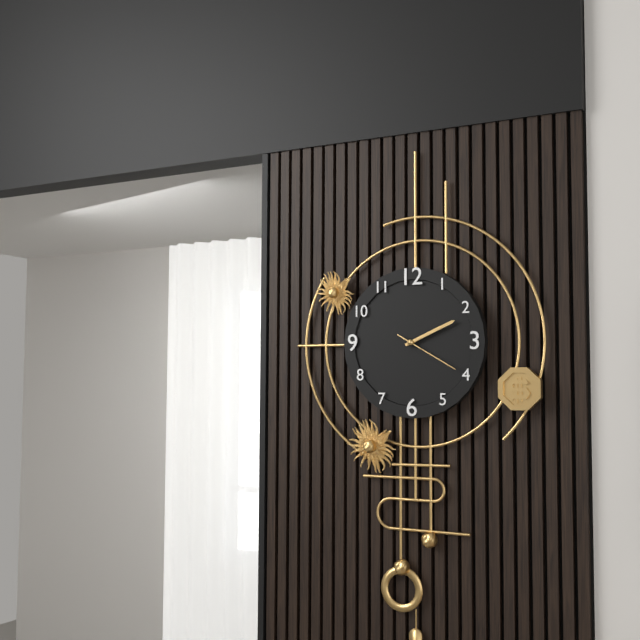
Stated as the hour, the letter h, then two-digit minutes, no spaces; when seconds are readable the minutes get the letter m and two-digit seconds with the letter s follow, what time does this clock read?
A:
2h11m20s
